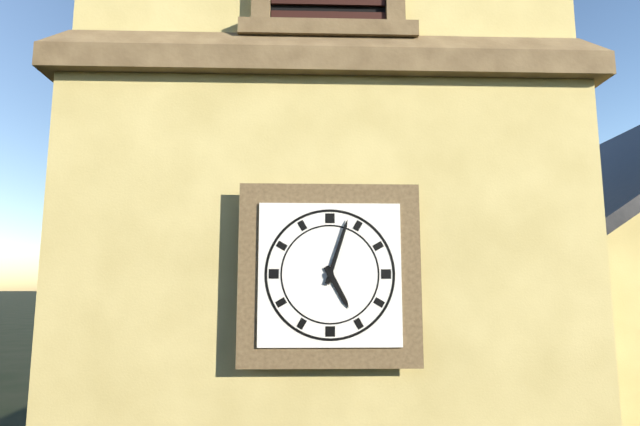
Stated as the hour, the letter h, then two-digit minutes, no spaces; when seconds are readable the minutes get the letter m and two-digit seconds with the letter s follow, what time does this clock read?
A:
5h03
